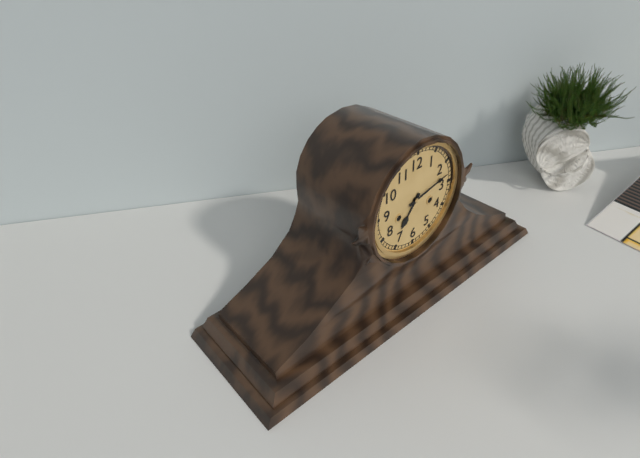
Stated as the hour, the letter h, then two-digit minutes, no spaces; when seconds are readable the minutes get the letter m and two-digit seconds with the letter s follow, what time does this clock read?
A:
7h13
